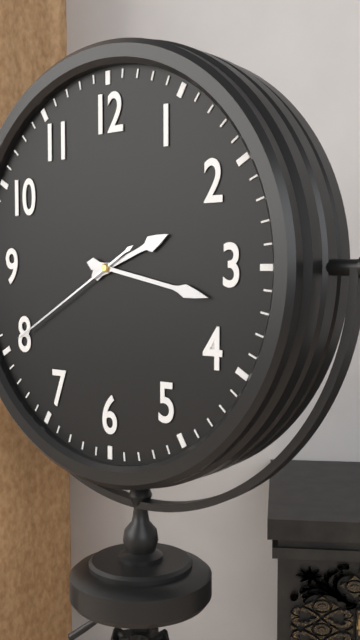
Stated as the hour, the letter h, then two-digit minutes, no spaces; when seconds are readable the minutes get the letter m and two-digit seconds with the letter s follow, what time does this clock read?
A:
2h17m40s
